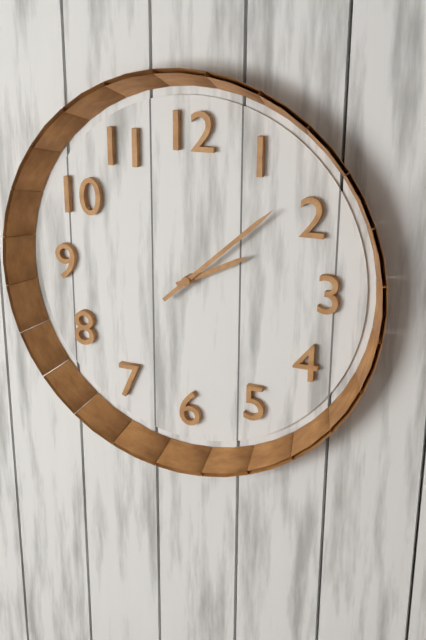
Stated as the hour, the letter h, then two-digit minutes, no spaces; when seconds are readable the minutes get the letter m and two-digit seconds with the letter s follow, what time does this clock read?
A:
2h08
